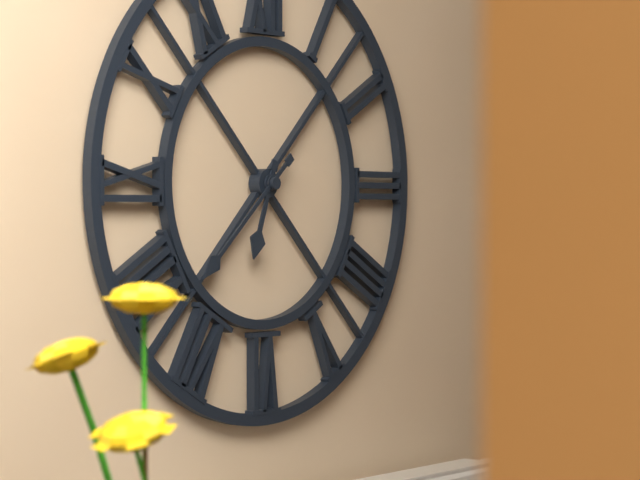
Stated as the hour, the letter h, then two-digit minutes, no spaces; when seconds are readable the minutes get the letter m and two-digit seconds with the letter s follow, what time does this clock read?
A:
6h38
